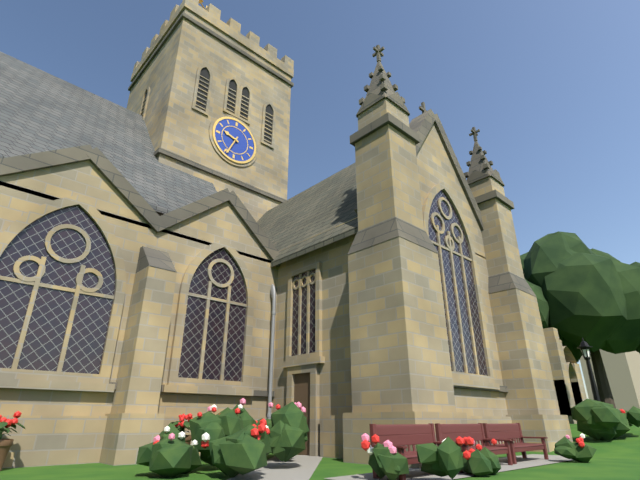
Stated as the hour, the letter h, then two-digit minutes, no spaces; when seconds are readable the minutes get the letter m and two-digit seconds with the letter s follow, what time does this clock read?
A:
9h34
